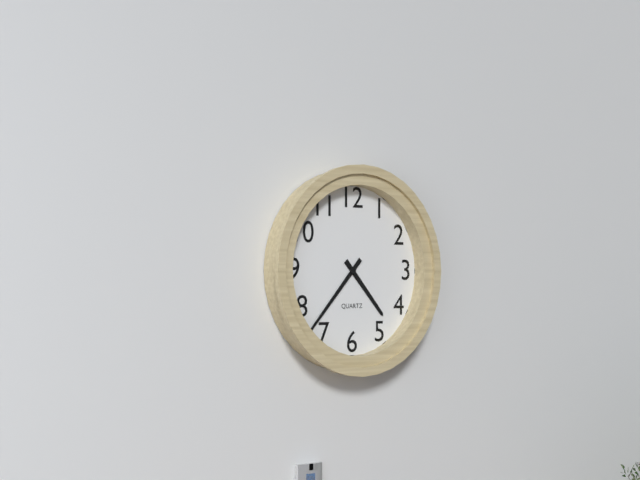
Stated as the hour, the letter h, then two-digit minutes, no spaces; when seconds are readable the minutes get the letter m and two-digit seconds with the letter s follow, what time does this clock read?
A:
4h37
